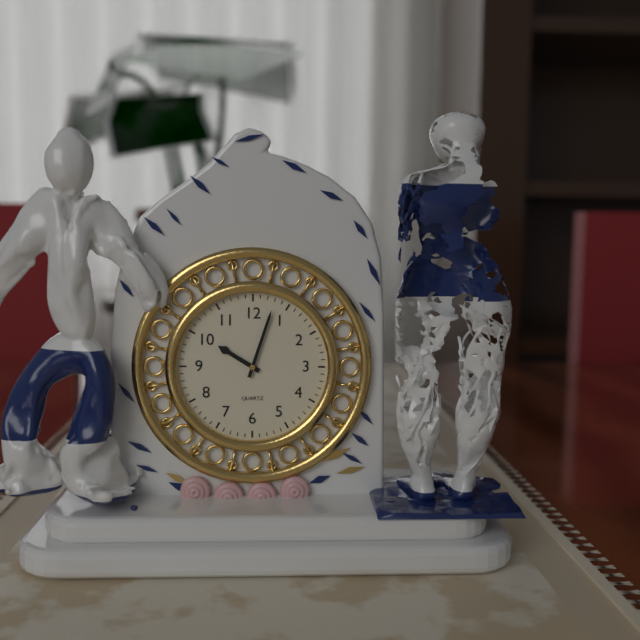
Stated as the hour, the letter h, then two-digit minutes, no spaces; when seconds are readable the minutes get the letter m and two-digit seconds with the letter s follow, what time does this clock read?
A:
10h03
